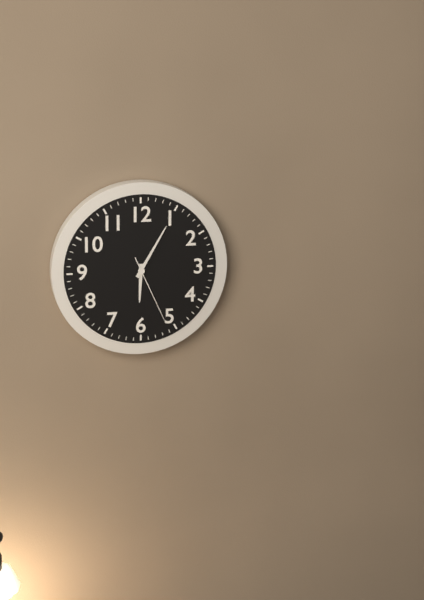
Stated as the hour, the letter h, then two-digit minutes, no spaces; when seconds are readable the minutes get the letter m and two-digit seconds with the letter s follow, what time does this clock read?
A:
6h05m26s
